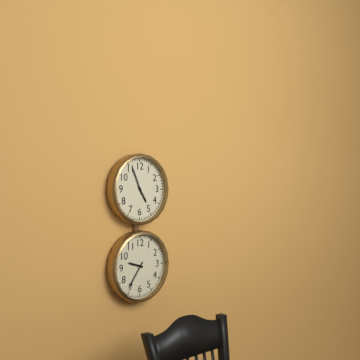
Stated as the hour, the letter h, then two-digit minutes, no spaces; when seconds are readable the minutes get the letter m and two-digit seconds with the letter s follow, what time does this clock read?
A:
4h56
